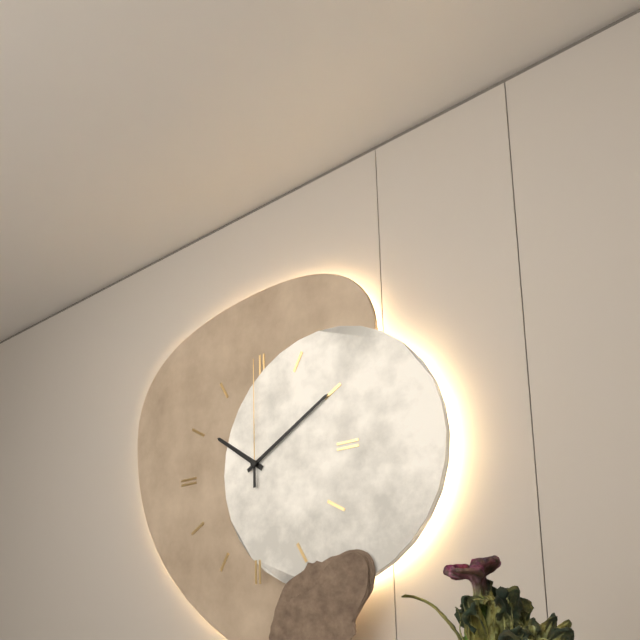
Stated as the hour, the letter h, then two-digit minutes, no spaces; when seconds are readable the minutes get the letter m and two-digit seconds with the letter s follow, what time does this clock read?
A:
10h10m00s
